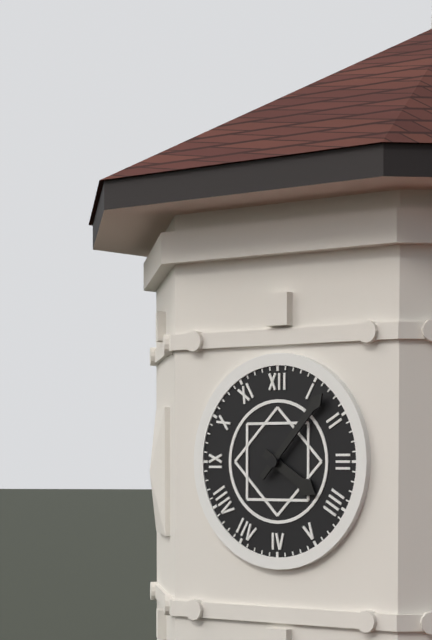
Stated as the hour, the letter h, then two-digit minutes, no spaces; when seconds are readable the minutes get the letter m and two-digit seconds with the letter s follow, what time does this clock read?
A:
4h07
